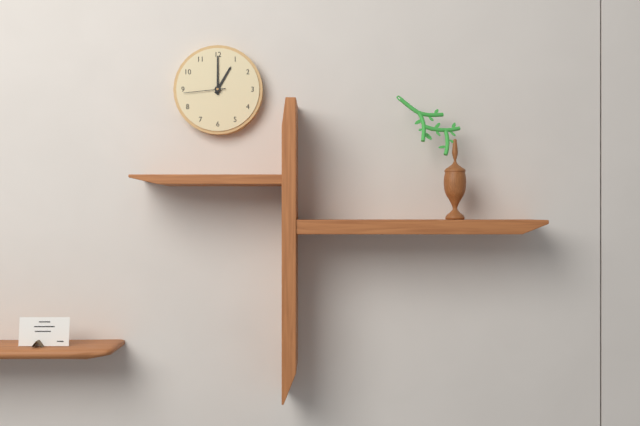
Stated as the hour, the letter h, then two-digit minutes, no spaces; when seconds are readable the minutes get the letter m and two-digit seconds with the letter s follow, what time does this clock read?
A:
1h00
